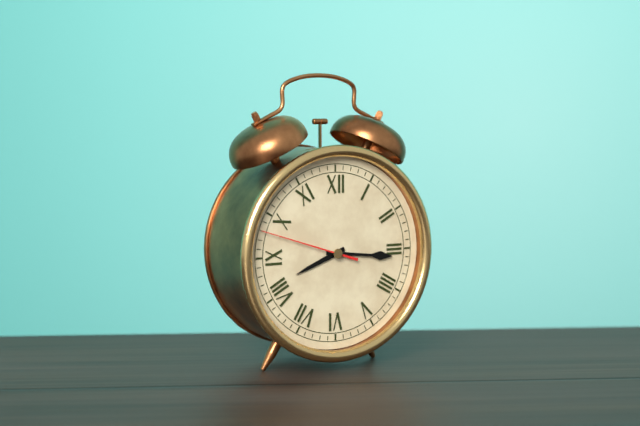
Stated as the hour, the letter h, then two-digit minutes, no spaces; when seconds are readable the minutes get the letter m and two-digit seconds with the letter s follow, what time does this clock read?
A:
8h16m48s
